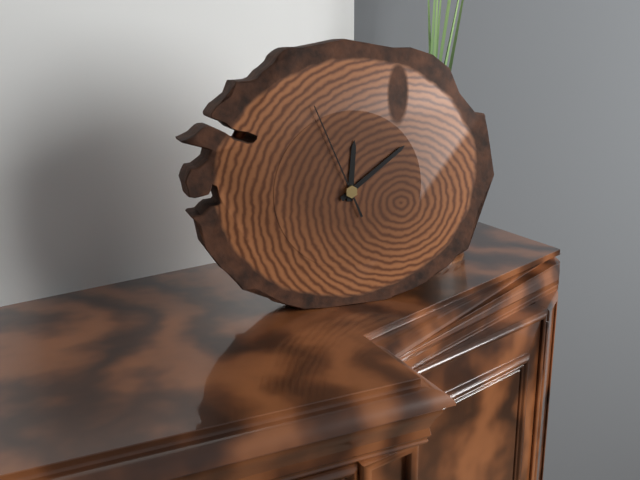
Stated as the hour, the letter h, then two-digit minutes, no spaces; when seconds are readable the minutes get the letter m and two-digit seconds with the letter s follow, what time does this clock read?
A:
12h09m56s
